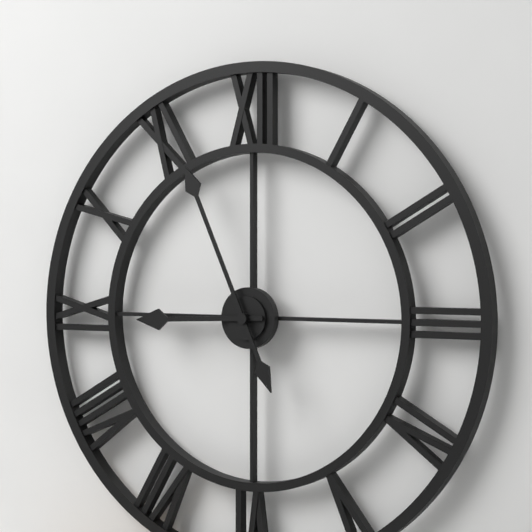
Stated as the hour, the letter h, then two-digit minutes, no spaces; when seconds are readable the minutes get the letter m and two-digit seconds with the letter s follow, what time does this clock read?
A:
8h56
